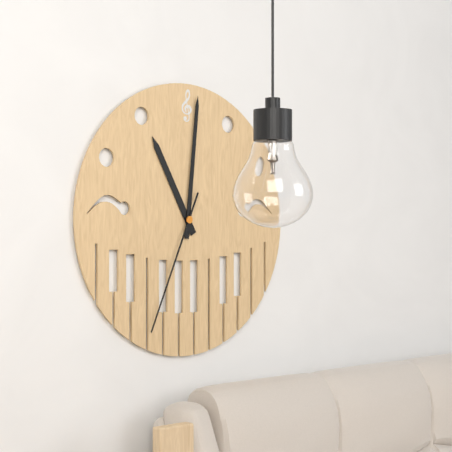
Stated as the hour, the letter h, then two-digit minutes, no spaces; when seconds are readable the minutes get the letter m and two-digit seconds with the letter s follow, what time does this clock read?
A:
11h01m34s
